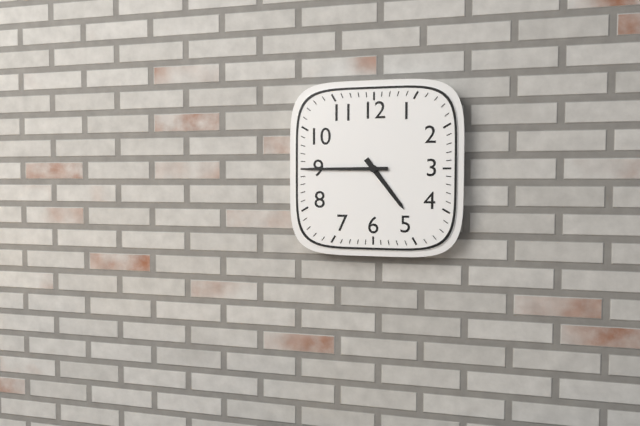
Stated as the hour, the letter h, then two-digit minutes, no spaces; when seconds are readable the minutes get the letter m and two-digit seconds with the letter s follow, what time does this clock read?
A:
4h45
